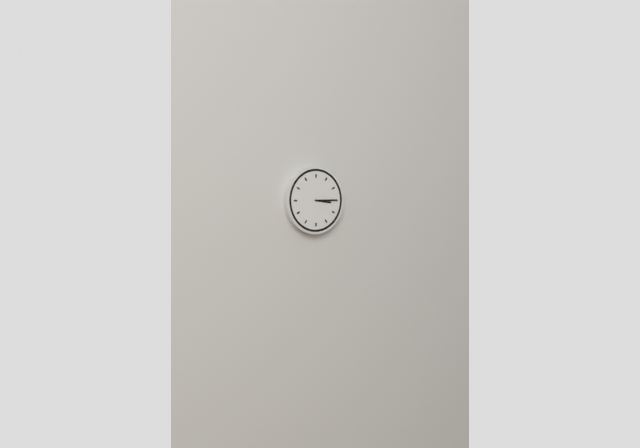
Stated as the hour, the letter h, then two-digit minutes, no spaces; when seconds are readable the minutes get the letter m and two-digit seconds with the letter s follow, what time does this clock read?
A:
3h15
